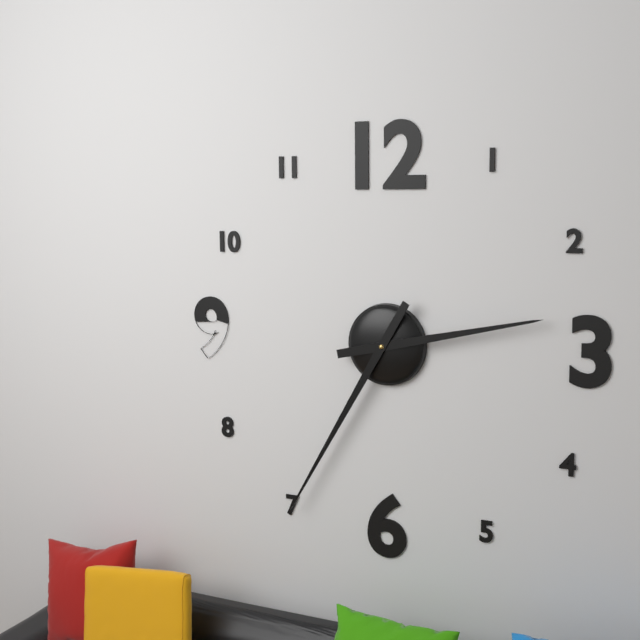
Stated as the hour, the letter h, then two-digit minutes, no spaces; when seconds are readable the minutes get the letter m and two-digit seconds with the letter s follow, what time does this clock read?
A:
2h35
